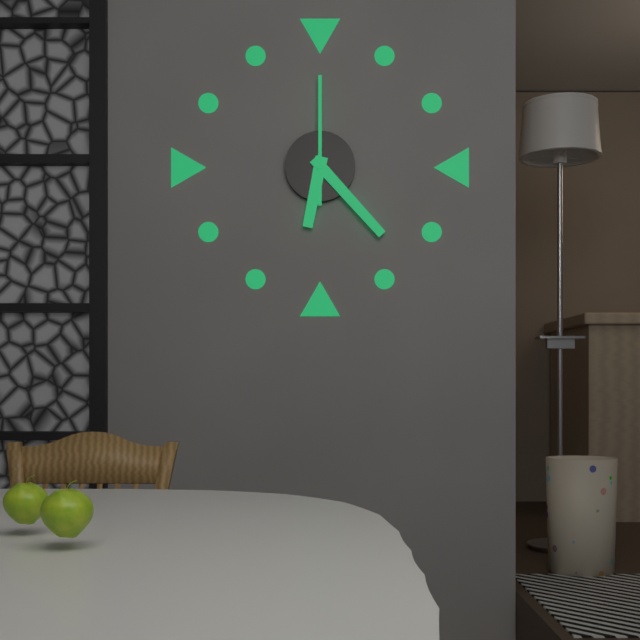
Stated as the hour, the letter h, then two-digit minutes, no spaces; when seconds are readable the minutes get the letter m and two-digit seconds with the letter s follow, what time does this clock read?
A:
6h23m00s
